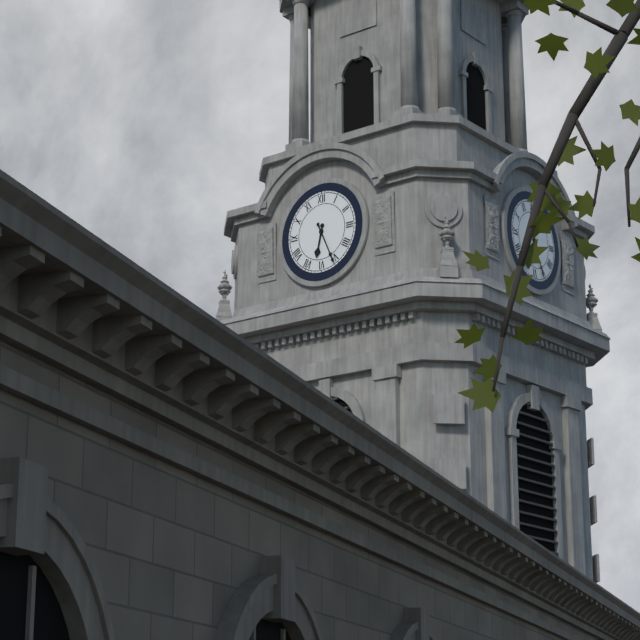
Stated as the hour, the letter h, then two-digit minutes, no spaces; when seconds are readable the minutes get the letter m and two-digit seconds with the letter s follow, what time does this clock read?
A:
6h26
